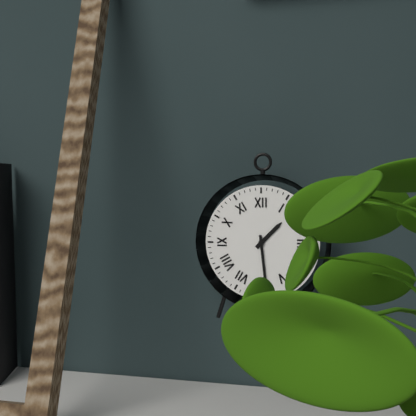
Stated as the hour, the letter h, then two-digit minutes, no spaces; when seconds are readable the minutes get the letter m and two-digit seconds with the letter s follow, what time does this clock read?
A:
1h29
